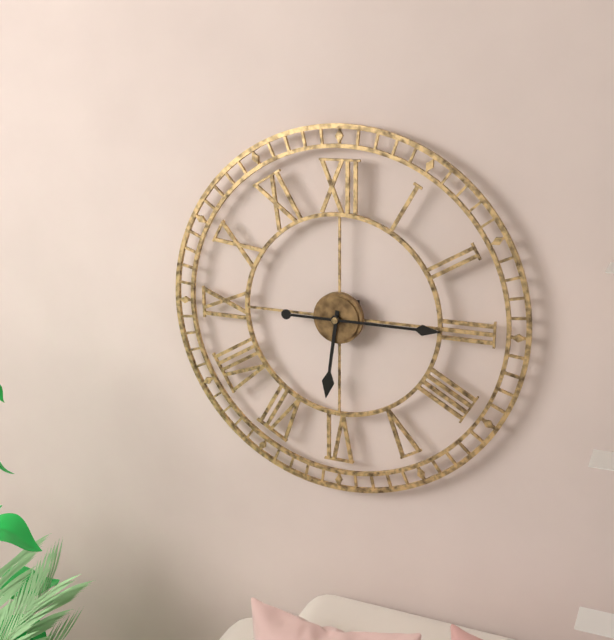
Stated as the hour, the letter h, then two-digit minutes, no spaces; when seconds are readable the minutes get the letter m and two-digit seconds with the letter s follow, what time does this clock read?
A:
6h15
